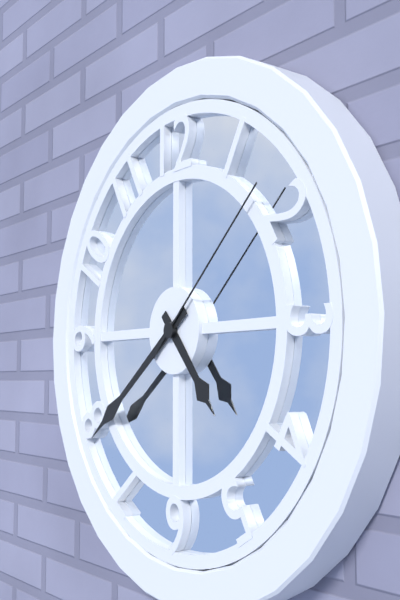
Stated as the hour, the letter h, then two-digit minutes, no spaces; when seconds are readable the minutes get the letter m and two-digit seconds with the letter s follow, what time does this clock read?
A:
4h39m08s
